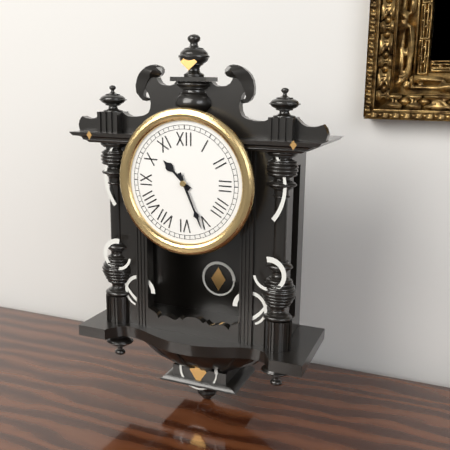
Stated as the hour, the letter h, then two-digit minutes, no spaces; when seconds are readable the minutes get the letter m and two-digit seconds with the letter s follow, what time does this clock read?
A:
10h26
